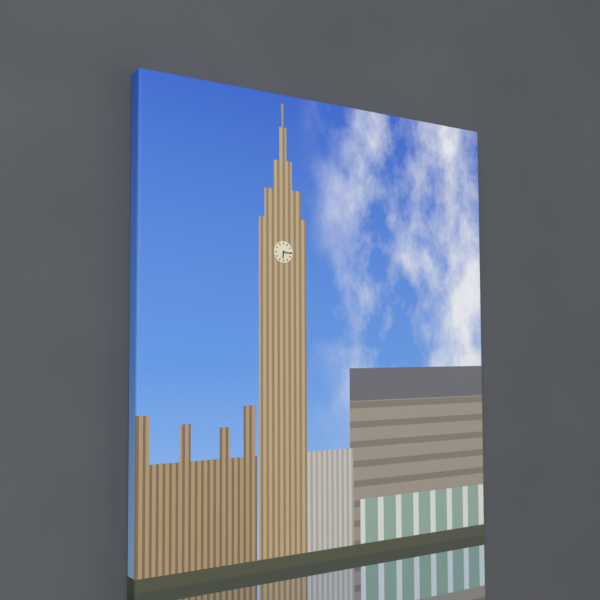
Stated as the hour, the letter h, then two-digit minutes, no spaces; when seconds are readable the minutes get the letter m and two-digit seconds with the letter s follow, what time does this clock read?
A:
6h16
